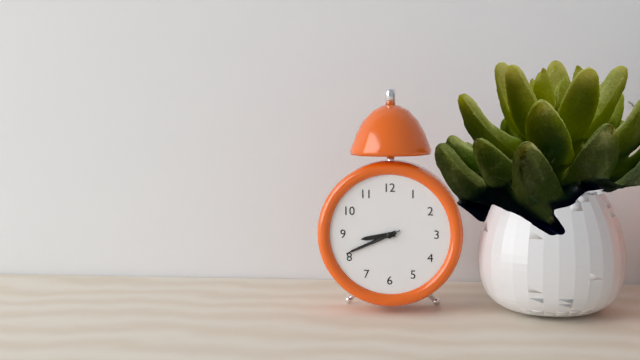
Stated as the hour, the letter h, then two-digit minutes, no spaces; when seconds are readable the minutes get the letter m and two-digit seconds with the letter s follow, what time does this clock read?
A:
8h41m41s
